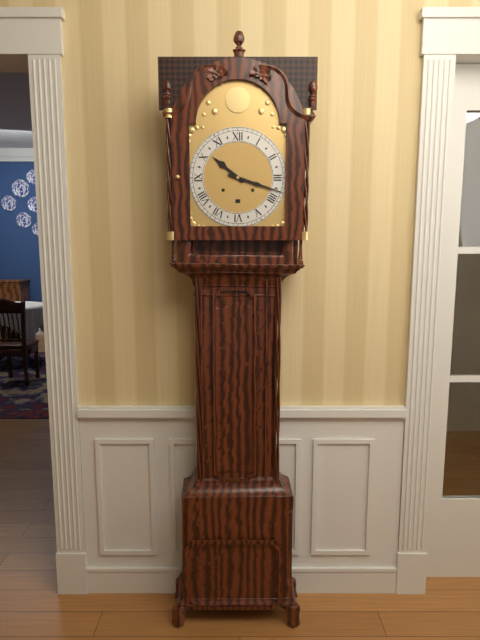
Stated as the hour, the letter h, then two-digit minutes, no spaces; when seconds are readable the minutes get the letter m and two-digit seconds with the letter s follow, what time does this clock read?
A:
10h18
